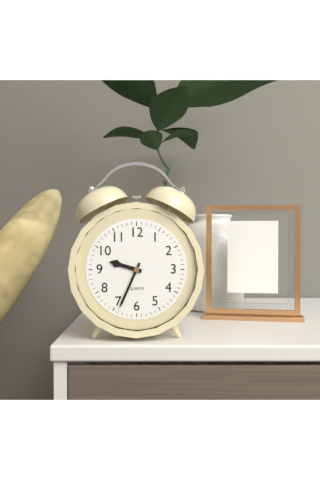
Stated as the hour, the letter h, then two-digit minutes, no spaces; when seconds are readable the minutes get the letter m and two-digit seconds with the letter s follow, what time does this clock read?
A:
9h34
